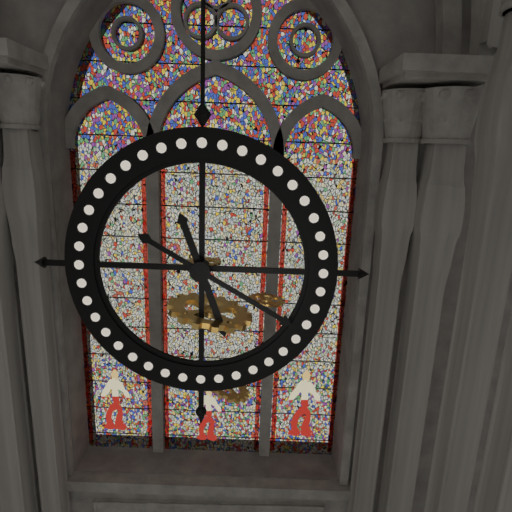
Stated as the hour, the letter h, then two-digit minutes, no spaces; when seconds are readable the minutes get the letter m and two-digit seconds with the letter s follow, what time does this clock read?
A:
5h20
